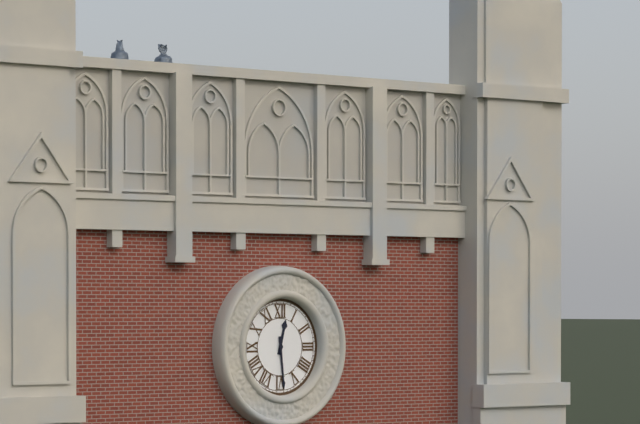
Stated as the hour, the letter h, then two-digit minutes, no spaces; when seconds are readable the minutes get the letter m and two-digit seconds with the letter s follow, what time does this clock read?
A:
12h29
